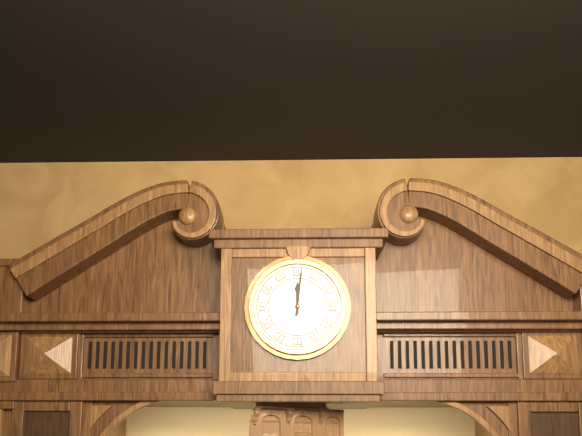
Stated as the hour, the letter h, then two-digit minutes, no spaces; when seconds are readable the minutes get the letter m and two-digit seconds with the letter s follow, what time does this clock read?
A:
12h01
